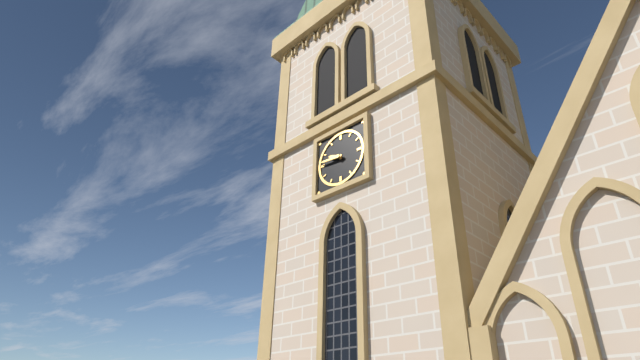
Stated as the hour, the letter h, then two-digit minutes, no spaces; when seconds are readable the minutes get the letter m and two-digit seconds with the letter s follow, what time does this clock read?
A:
9h46
